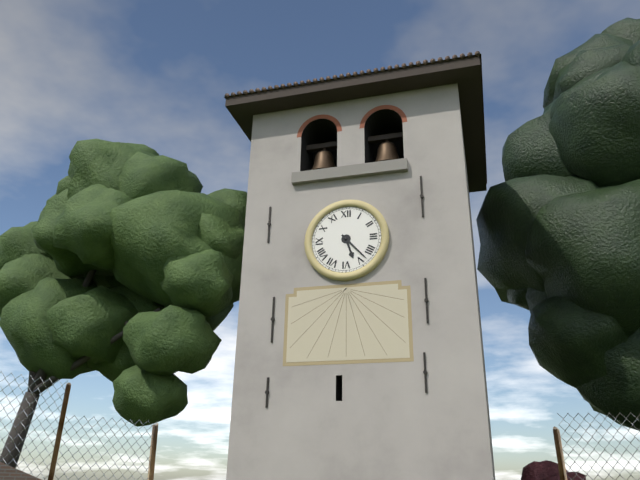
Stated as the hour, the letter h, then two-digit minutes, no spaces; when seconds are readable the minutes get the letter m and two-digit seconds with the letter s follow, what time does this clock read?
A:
5h23
